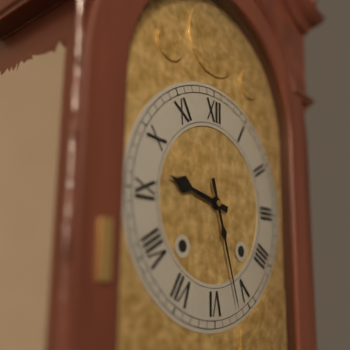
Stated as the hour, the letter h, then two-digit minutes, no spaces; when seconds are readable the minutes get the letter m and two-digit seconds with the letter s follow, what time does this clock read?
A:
9h27
